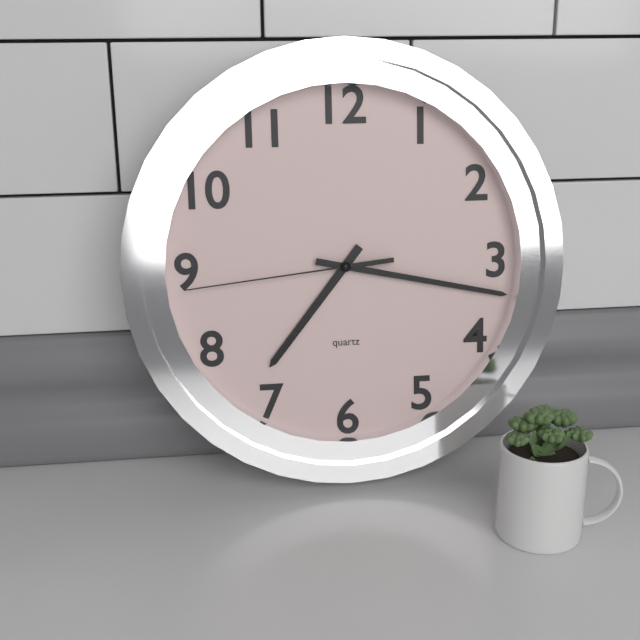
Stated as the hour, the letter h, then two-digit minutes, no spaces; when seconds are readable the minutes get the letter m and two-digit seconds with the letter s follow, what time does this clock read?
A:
7h17m44s
